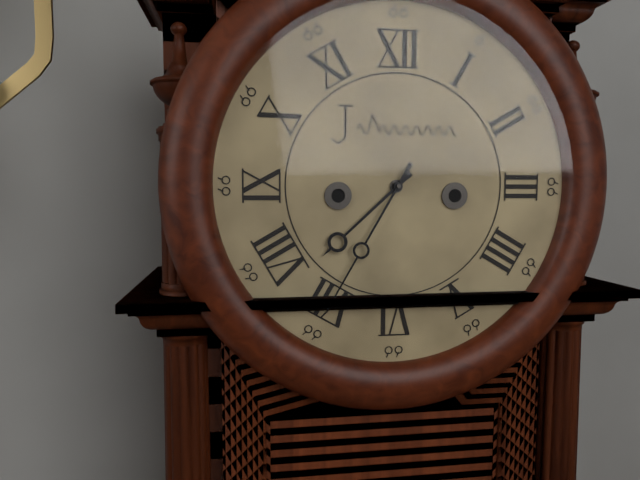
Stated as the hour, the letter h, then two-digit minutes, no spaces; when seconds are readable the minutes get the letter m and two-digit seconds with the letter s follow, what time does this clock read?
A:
7h35
